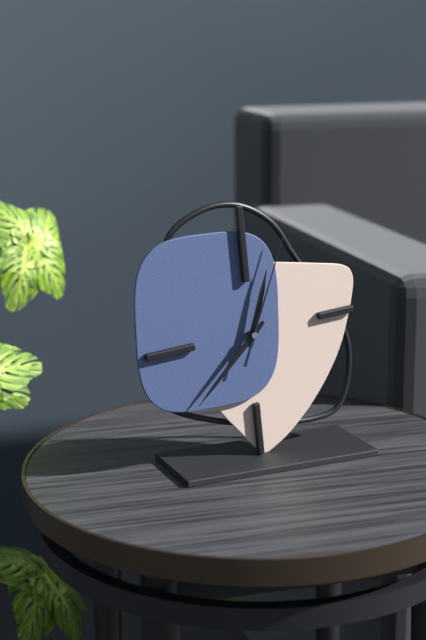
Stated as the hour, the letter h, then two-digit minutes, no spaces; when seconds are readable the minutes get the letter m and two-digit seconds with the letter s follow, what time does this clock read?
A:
12h38m04s
